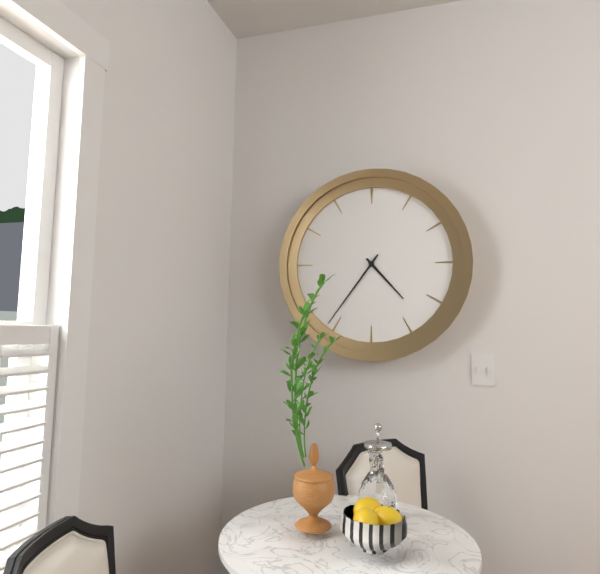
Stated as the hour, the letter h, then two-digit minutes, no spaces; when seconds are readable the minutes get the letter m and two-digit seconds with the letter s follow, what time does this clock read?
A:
4h36
